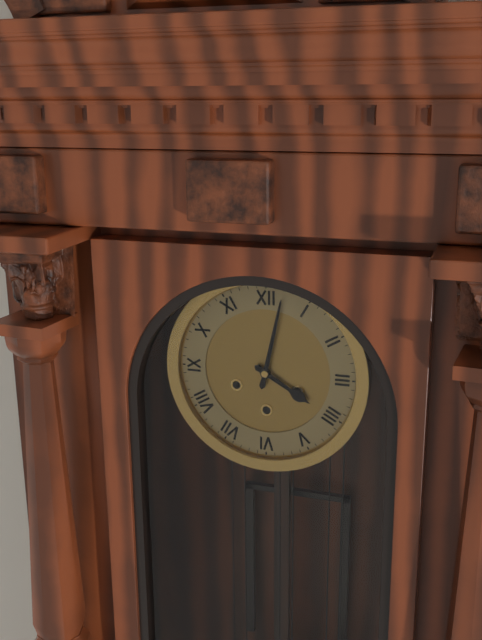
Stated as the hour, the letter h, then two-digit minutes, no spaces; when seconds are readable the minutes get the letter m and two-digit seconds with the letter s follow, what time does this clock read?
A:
4h02
